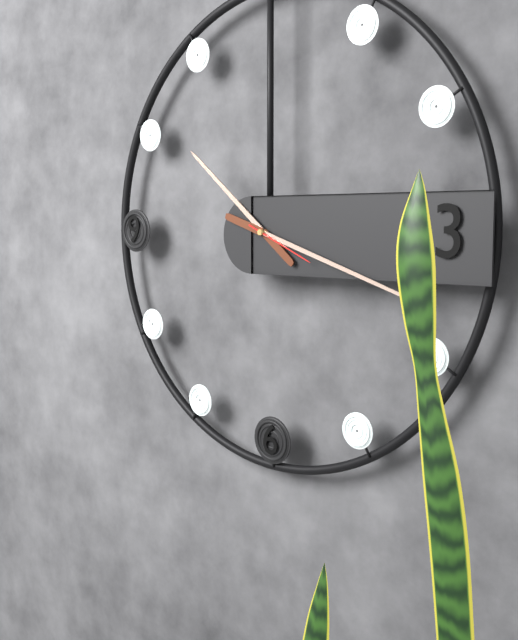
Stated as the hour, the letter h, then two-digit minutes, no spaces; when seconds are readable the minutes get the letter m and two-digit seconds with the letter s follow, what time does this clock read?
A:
10h18m19s
